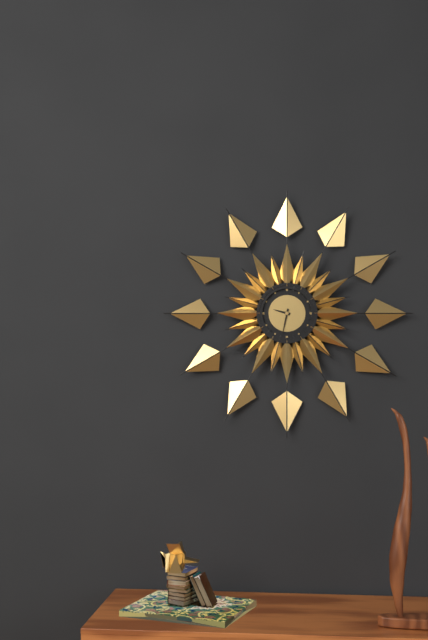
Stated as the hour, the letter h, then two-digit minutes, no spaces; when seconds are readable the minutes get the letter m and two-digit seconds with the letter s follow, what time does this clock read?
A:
9h32
